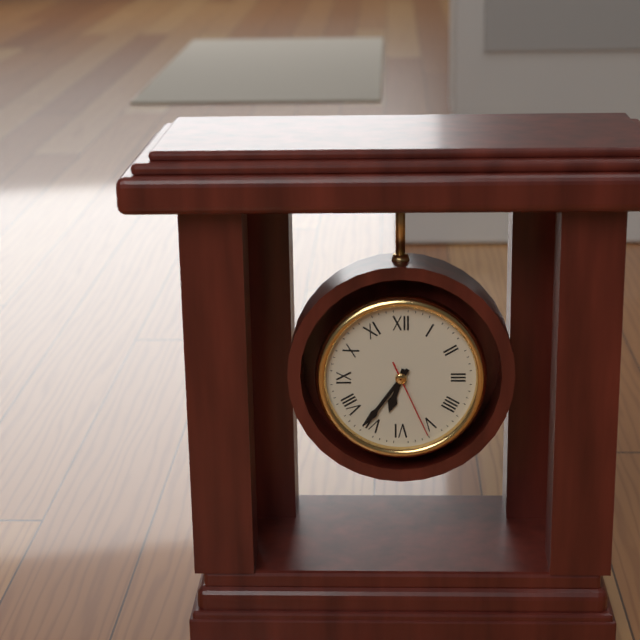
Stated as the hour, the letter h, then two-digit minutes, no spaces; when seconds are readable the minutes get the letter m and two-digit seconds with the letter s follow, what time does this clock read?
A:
6h36m26s
